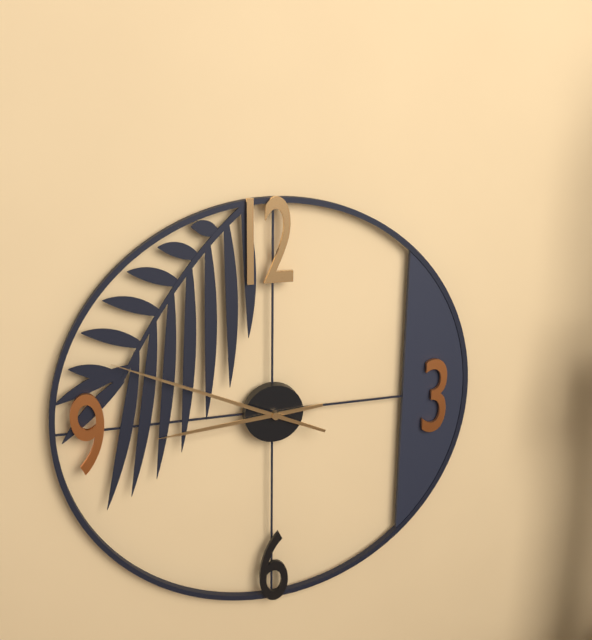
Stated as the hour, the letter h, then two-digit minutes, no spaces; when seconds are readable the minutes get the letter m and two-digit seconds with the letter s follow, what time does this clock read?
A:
8h49
